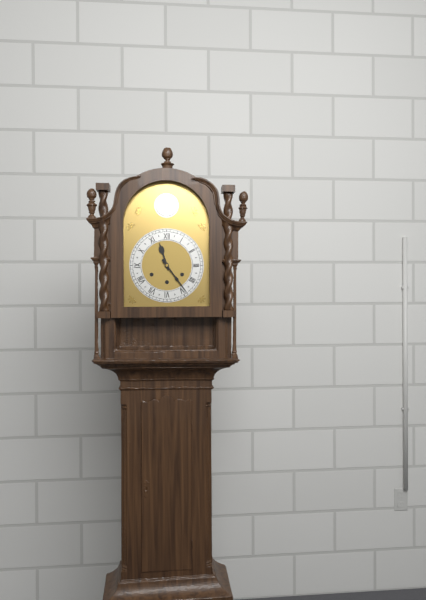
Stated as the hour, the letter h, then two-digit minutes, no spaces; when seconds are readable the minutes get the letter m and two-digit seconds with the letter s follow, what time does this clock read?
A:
11h24
